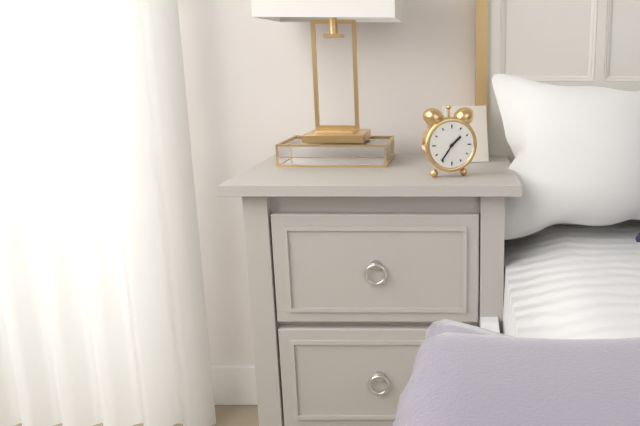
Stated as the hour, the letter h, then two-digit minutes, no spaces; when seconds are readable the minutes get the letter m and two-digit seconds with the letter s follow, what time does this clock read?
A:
1h36
